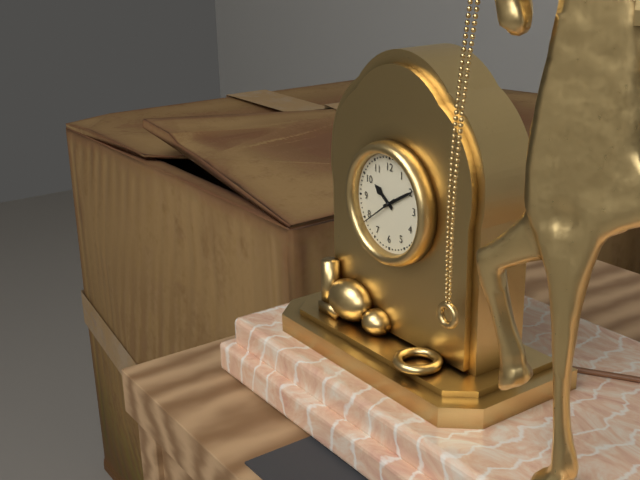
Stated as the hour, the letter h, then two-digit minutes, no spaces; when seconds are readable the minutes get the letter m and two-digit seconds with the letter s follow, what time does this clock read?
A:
10h10
